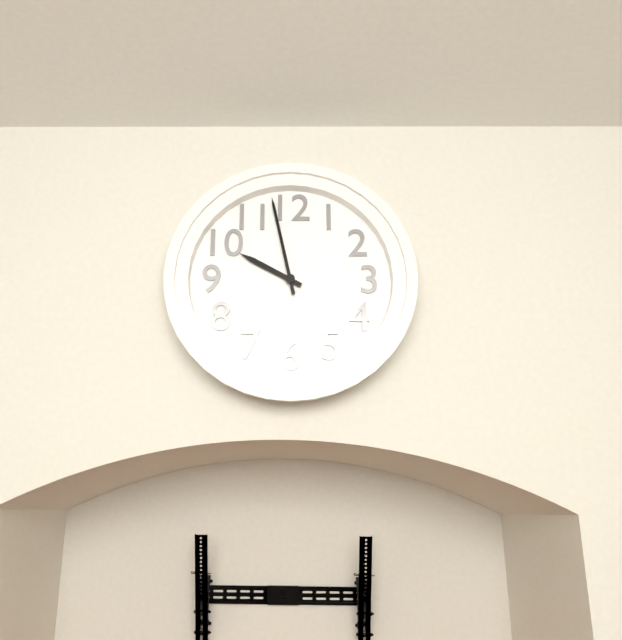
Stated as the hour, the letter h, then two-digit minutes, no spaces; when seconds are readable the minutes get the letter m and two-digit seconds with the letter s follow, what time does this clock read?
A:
9h58
